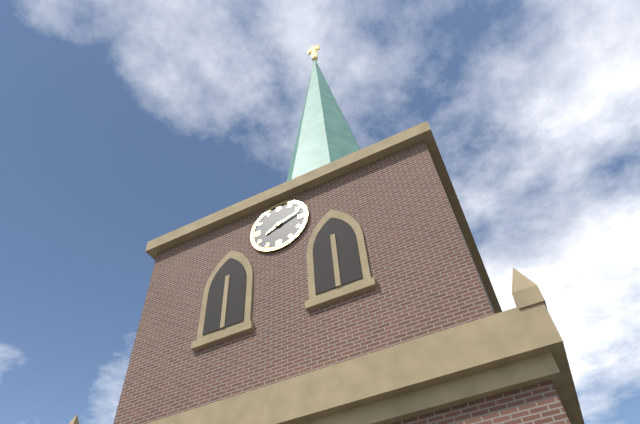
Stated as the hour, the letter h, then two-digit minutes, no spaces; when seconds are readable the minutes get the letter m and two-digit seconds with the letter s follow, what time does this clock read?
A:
8h12
